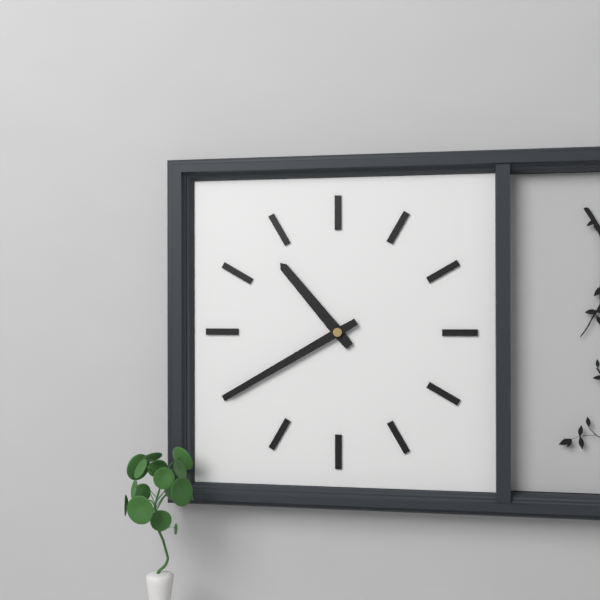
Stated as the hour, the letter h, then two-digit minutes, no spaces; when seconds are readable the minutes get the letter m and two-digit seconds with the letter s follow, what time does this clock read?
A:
10h40
